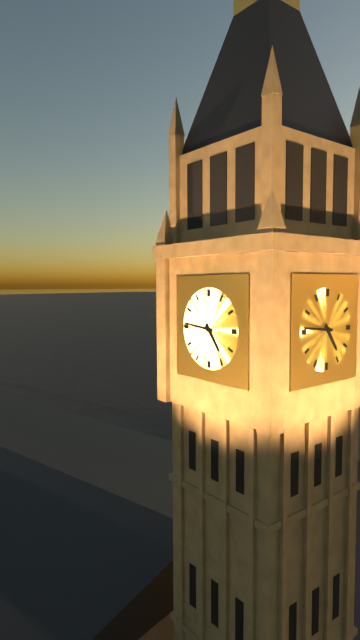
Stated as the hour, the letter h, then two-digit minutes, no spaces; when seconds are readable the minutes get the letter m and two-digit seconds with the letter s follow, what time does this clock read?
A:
4h46
